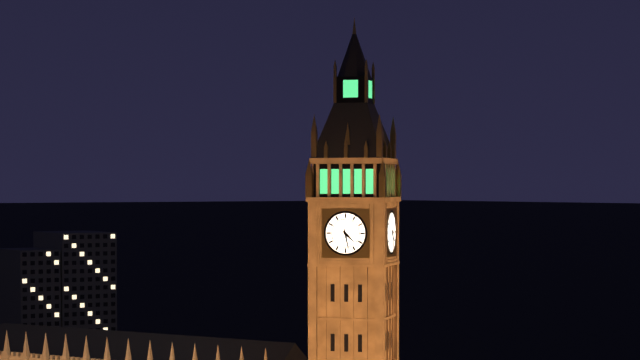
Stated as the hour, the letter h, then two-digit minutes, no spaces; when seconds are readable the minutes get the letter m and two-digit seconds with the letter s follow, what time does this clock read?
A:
4h28
